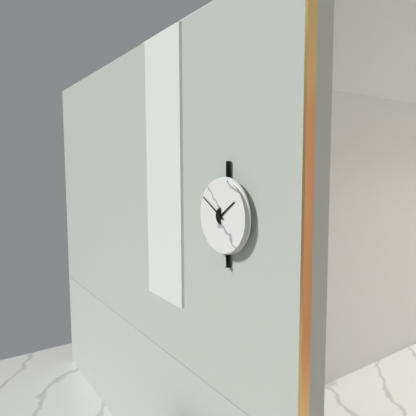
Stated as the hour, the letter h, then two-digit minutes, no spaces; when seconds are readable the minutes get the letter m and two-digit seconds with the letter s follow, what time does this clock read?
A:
1h50
